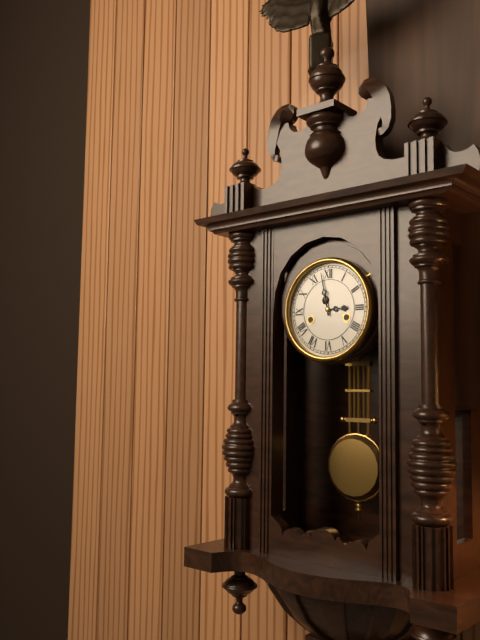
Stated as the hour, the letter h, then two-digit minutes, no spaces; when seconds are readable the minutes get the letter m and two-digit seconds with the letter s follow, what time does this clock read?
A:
2h58
